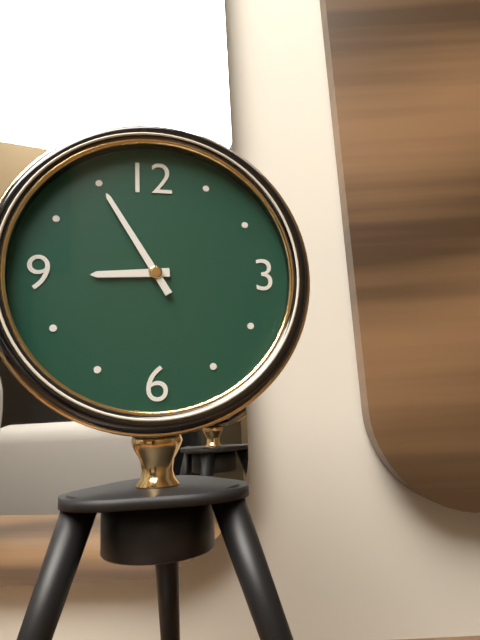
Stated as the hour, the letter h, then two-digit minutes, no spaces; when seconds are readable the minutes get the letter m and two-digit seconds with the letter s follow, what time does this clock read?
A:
8h55
